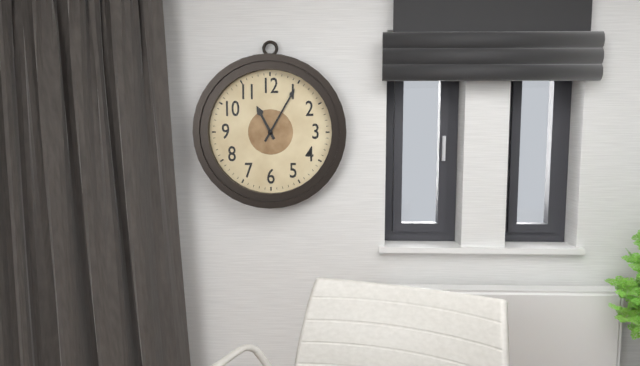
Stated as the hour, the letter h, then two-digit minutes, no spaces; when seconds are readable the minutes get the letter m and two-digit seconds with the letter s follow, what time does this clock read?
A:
11h05
